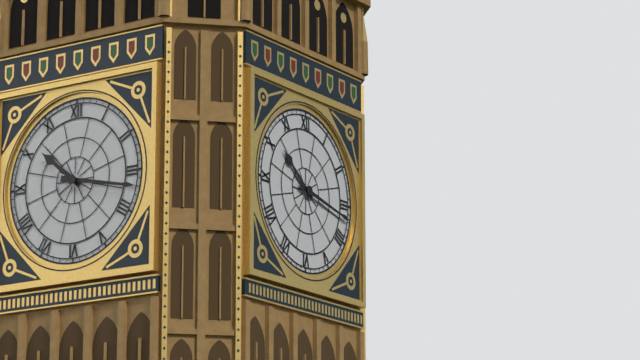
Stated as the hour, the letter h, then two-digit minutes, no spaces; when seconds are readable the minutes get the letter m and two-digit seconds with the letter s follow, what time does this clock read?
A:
10h17
